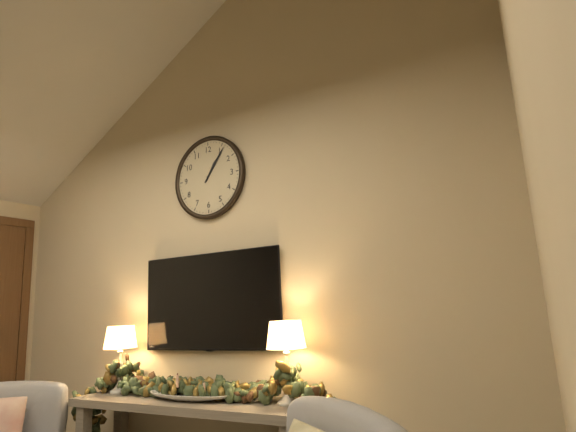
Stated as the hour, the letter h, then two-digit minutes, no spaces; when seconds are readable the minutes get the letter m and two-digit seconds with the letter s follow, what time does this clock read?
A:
1h06
